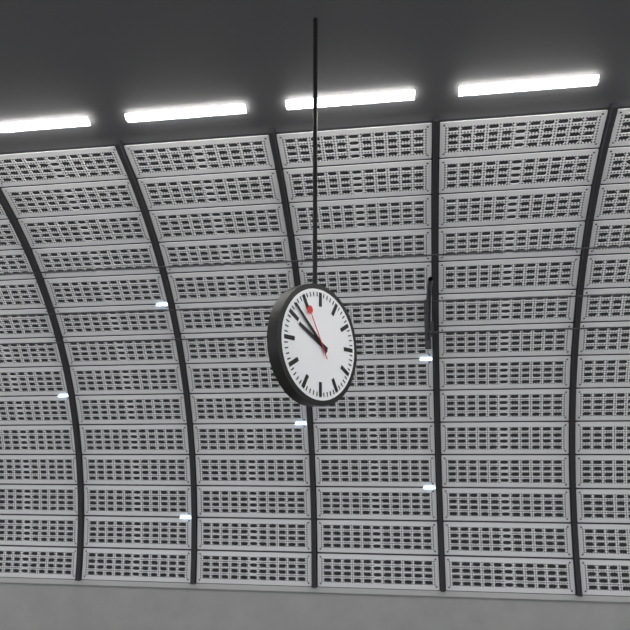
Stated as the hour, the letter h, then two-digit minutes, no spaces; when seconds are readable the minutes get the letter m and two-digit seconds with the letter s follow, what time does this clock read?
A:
9h52
